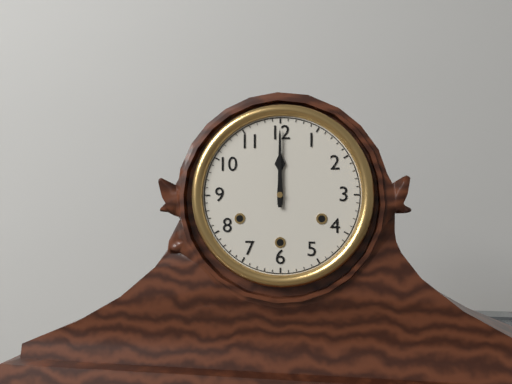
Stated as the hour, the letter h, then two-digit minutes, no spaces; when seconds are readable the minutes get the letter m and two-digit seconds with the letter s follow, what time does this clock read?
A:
12h00
